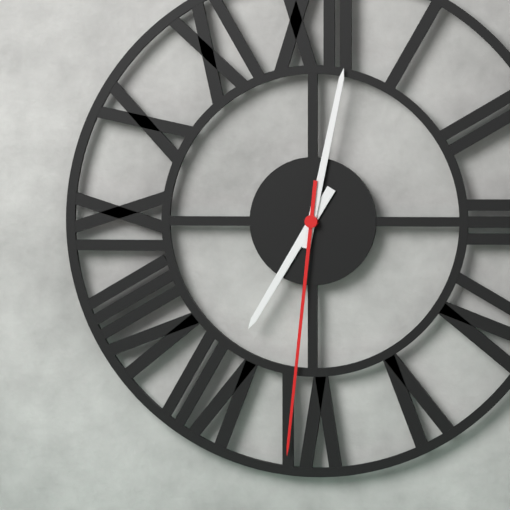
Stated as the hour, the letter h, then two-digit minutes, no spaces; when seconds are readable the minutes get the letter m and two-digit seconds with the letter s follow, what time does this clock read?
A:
7h02m31s
